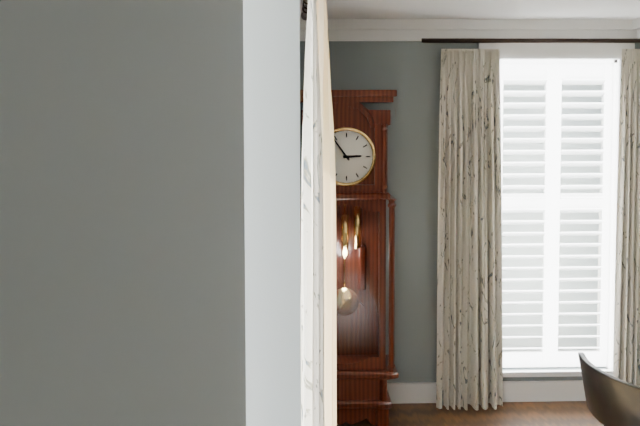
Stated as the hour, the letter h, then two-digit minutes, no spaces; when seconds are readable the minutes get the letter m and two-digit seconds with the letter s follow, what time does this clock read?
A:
2h54
